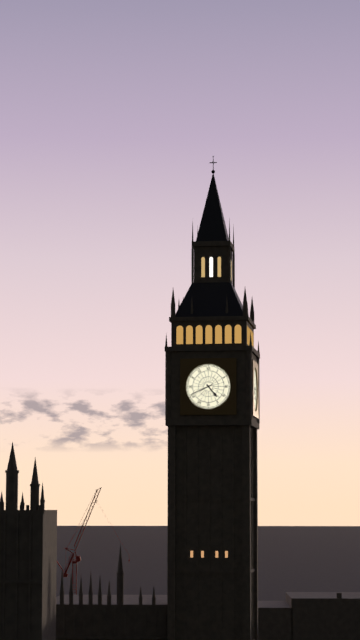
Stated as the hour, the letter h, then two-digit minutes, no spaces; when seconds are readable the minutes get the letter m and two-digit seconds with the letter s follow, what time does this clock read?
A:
4h41
